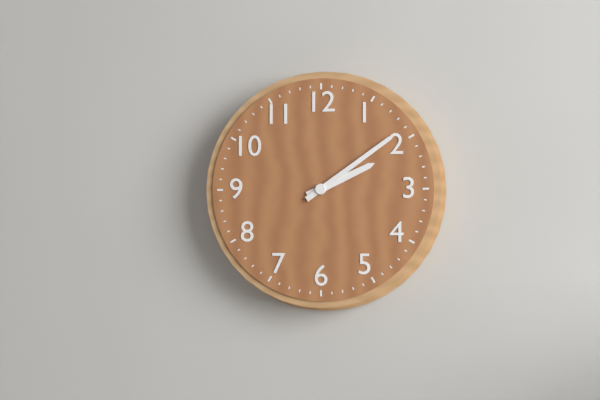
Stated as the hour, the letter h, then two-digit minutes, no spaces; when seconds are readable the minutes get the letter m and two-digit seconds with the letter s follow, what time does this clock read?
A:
2h09
